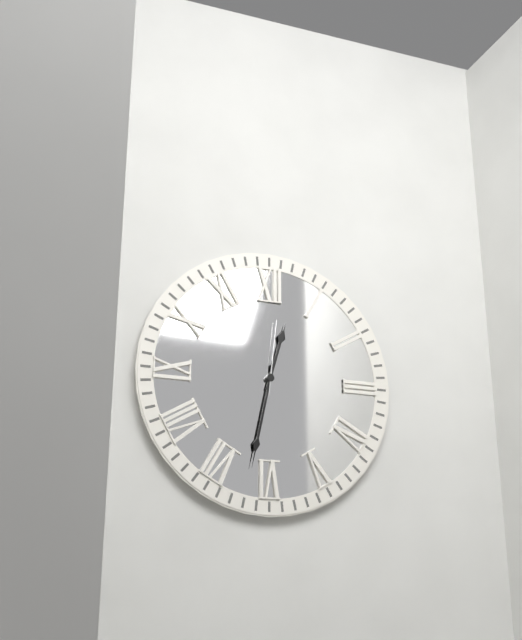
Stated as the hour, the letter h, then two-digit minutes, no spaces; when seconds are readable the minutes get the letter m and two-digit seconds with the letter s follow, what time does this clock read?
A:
12h32m01s
